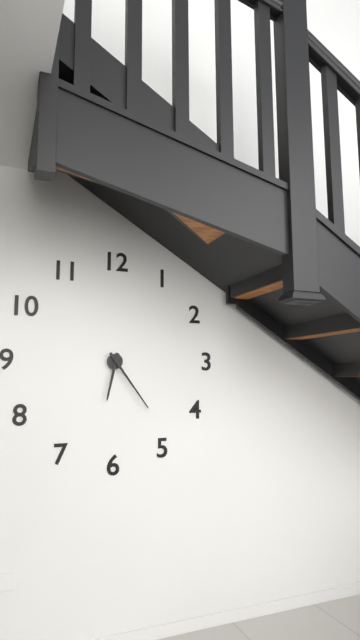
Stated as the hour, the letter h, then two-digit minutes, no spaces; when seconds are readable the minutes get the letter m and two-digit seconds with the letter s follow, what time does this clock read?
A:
6h24
